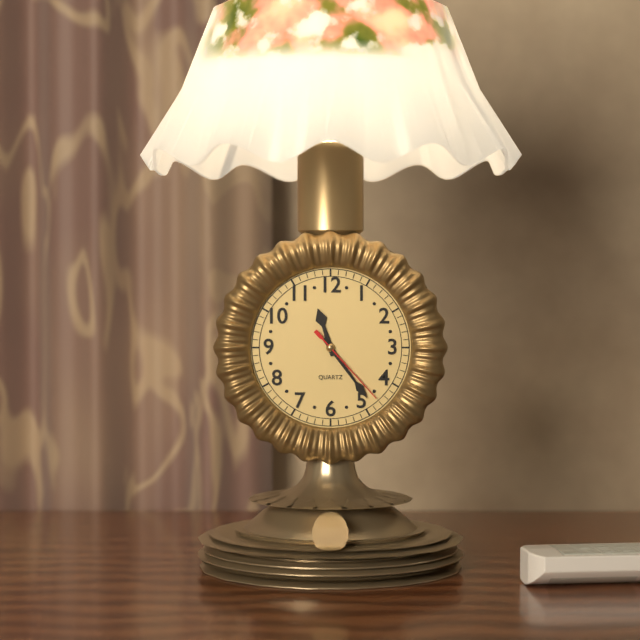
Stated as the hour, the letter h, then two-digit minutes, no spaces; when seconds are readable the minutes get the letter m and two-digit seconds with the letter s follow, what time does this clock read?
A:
11h24m23s
